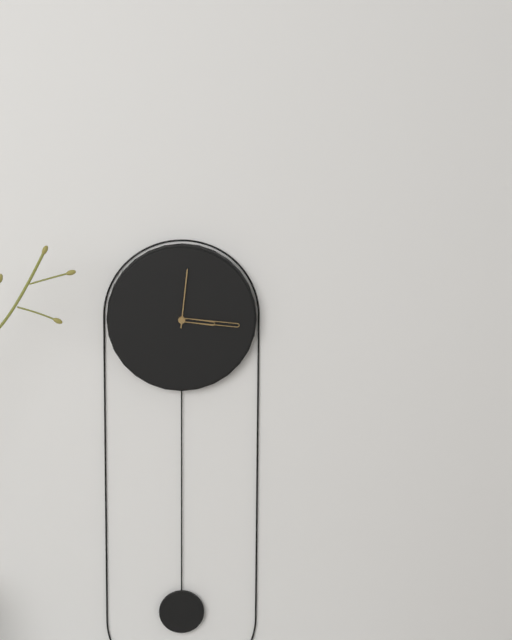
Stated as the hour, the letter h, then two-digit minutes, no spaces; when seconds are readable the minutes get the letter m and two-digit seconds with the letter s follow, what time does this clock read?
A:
3h16m01s
